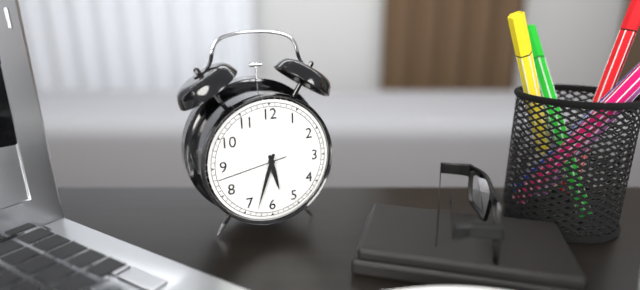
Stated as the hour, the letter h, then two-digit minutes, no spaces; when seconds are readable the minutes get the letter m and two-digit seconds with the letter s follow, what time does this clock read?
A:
5h33m43s
